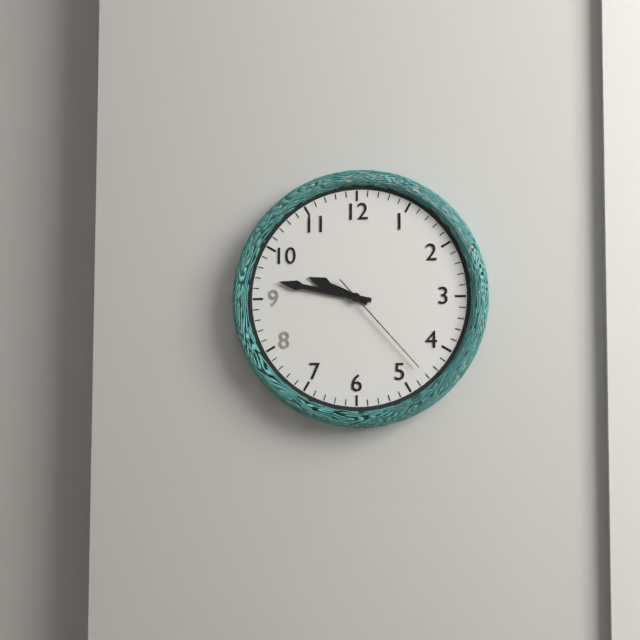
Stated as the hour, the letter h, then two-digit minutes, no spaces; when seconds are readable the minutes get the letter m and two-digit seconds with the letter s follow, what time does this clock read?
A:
9h47m23s
